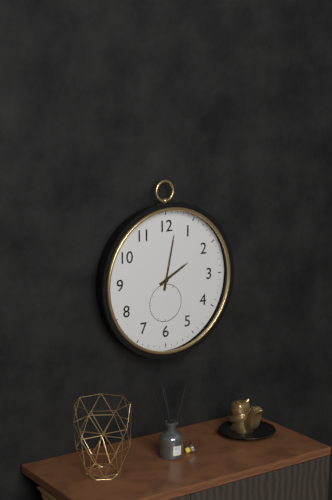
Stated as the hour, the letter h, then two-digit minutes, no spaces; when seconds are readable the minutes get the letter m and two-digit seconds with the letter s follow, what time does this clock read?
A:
2h02
